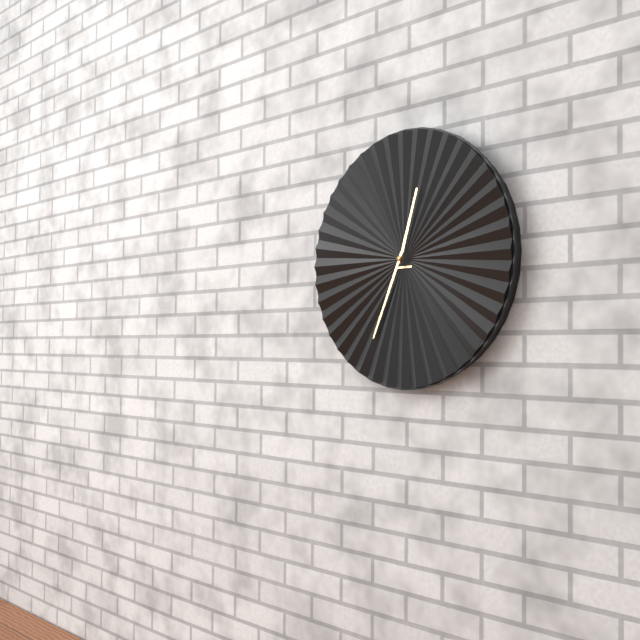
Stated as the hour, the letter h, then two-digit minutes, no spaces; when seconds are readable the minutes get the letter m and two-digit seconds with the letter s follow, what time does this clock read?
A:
12h34
